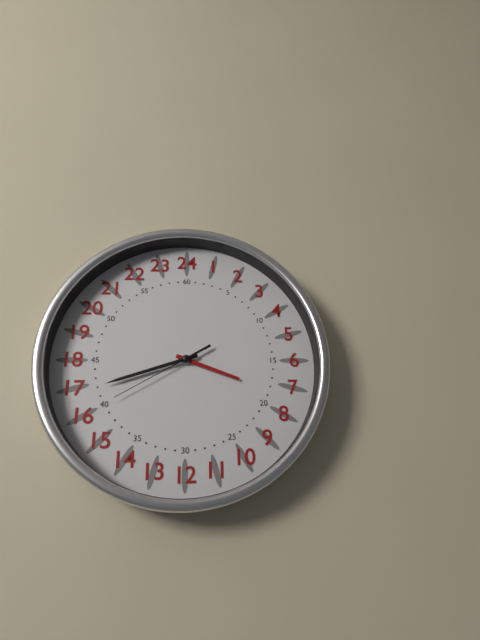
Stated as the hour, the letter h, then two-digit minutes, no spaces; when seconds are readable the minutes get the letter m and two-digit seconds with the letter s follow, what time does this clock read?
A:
3h42m40s
